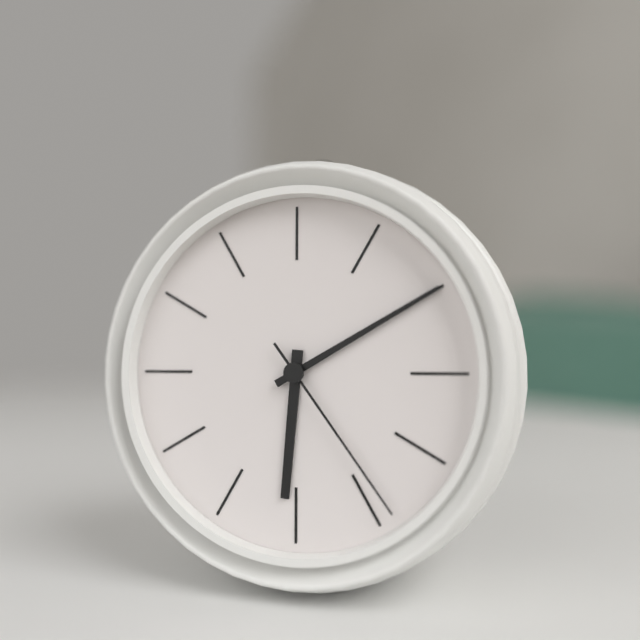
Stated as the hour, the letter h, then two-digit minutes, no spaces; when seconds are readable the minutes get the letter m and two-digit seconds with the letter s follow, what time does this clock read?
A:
6h10m24s
